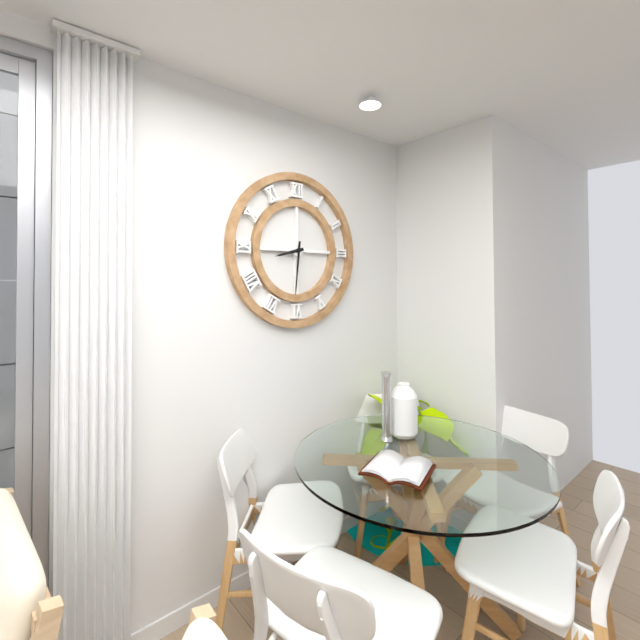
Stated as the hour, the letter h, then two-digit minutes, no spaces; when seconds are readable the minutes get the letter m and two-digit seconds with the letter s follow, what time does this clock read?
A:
8h31
